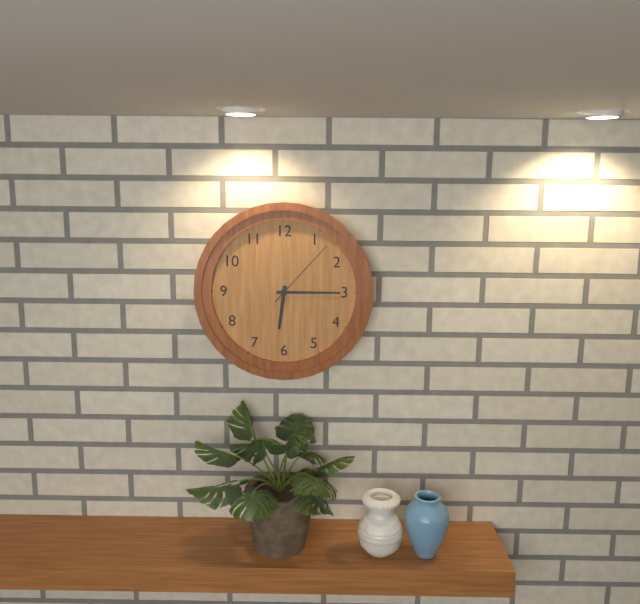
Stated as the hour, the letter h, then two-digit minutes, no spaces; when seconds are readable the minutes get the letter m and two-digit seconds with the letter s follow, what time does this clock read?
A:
6h15m07s
